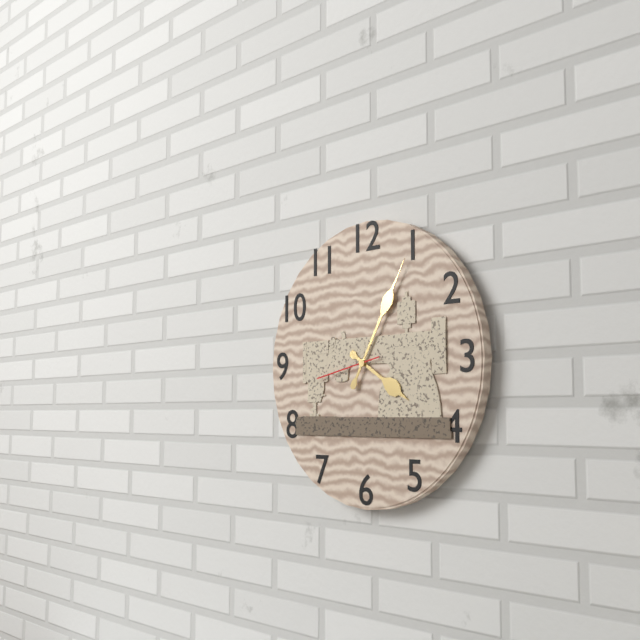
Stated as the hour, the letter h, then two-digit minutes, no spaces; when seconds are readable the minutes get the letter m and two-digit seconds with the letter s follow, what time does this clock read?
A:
4h05m43s
